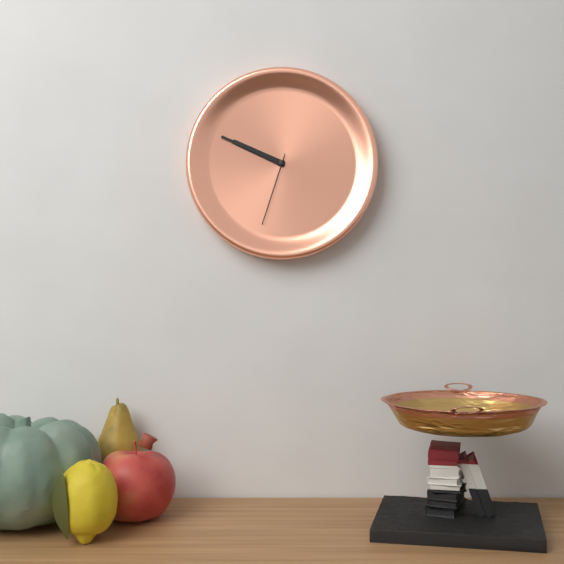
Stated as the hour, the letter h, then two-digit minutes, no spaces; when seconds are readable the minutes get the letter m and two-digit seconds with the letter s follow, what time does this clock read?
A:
9h49m33s
